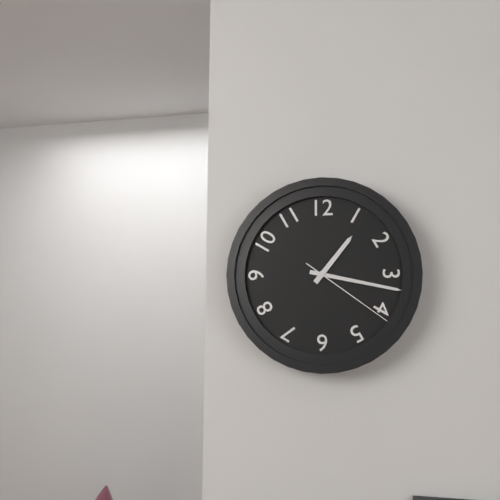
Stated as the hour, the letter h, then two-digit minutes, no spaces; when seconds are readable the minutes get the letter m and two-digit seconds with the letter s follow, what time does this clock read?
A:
1h17m21s
